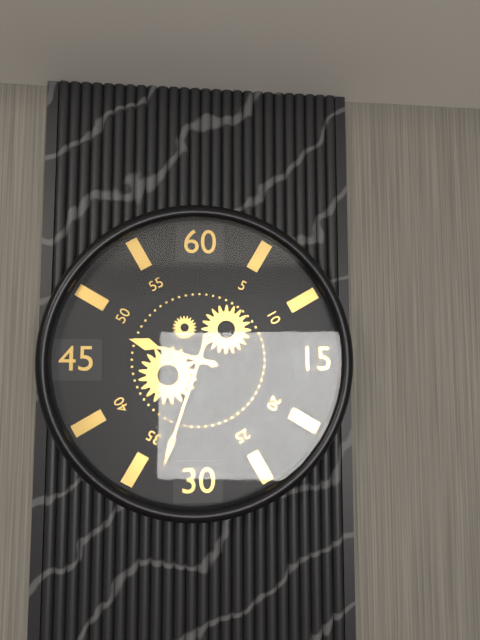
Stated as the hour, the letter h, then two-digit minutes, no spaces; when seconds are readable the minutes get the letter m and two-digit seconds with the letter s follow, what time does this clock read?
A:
9h33
